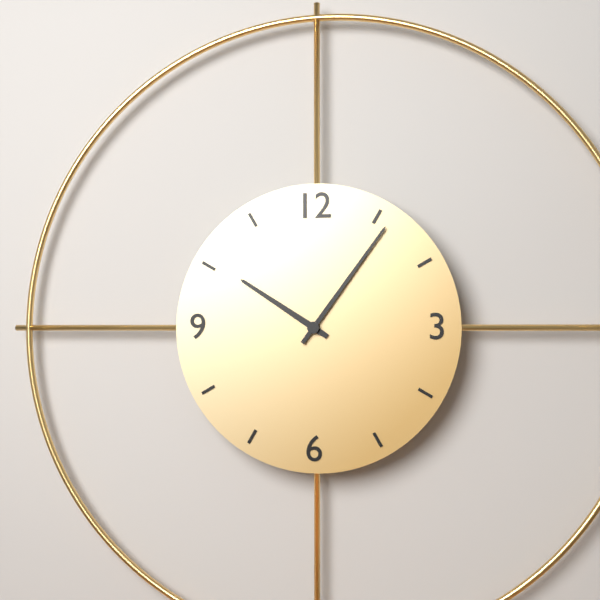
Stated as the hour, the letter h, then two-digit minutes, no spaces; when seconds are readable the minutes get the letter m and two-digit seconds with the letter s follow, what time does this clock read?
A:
10h06
